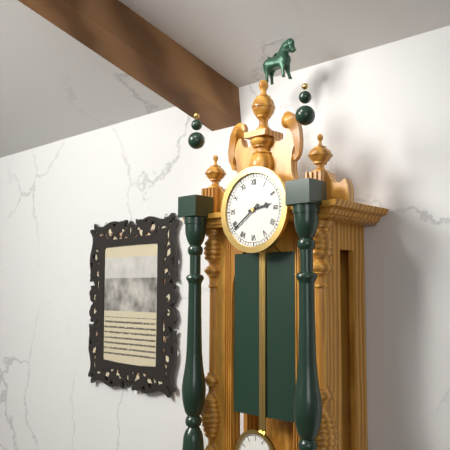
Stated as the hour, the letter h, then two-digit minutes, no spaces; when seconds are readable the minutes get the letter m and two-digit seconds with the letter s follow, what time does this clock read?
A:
2h39
